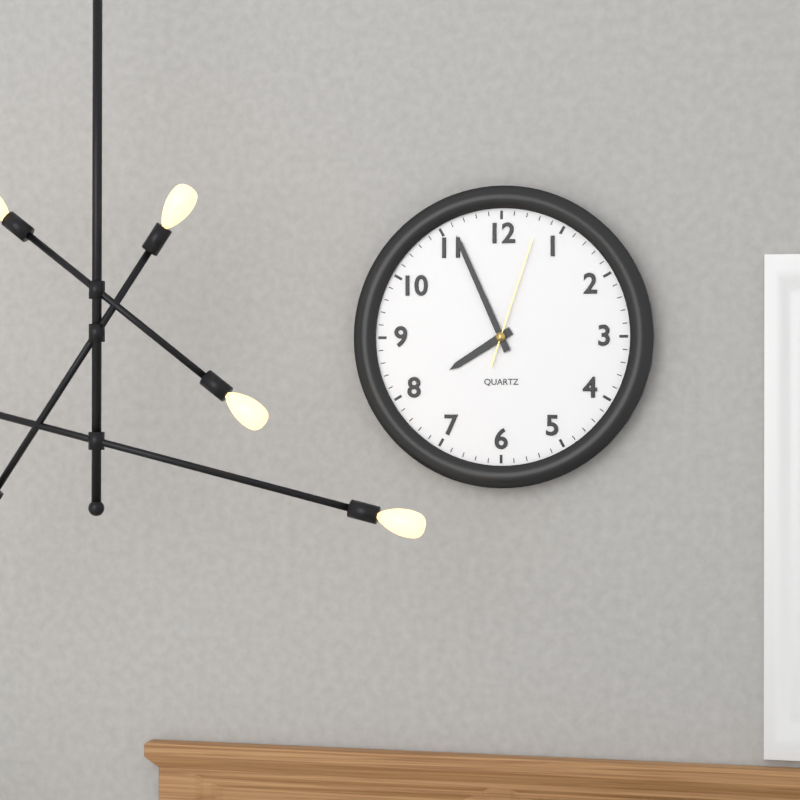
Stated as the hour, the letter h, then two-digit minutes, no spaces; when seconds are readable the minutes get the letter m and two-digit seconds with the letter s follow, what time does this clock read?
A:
7h56m03s
